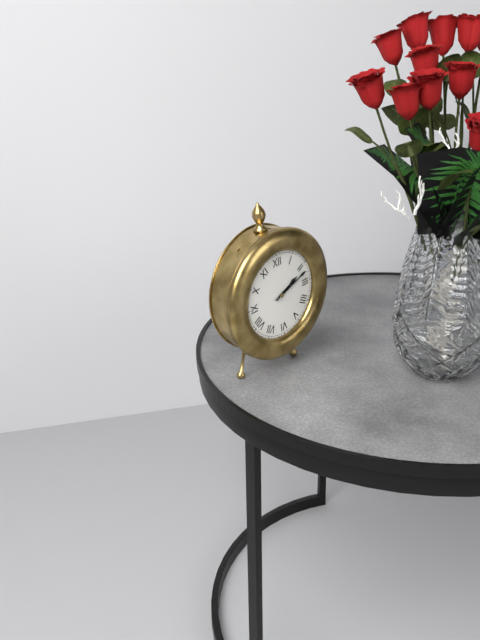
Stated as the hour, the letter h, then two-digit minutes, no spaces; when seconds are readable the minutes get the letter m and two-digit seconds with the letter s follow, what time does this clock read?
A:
2h12
